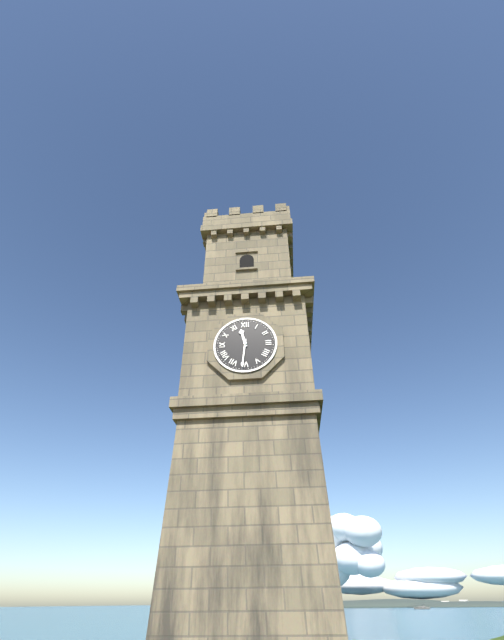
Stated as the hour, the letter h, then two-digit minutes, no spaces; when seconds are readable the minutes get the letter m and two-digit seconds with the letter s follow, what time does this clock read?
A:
11h31
